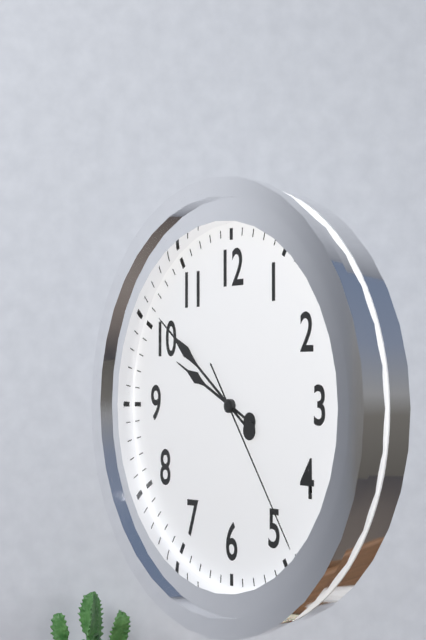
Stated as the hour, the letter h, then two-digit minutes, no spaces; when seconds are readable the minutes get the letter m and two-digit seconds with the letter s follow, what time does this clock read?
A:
9h51m24s
